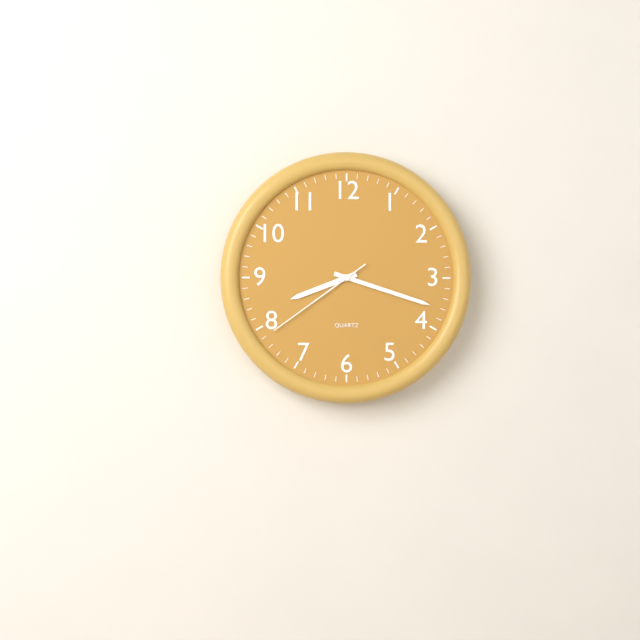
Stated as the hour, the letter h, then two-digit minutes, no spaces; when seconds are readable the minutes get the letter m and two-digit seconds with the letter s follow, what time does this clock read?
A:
8h18m39s
